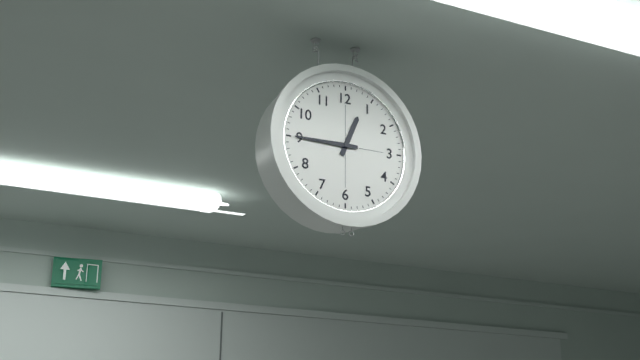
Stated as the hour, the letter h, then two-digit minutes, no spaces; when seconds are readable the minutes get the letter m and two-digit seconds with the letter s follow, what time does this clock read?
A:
12h45
